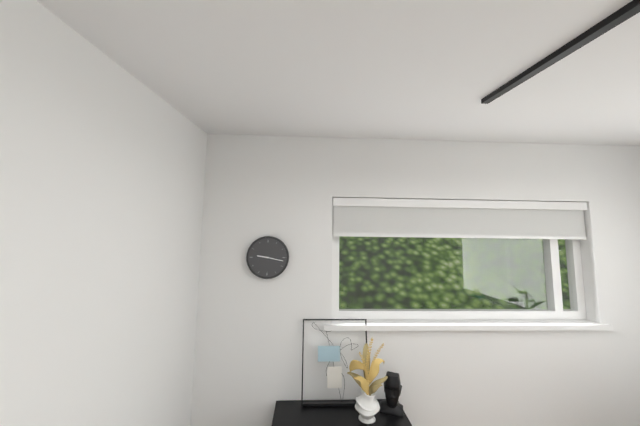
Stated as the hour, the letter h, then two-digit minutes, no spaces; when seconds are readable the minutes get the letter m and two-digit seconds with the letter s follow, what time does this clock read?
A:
9h17
